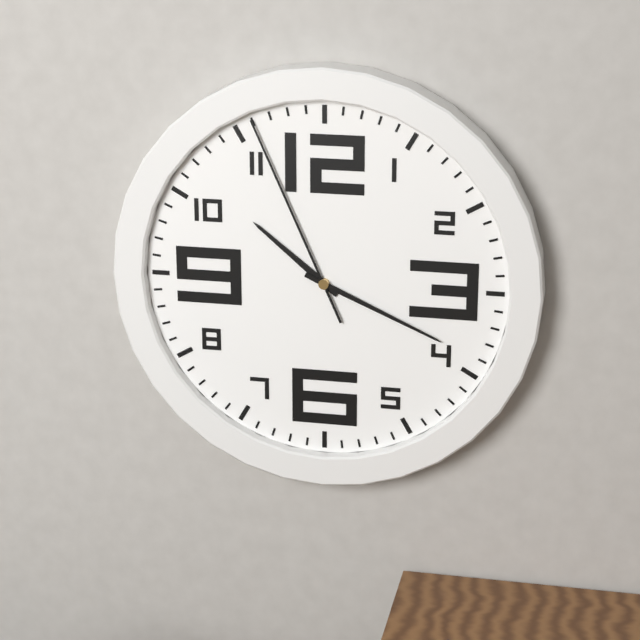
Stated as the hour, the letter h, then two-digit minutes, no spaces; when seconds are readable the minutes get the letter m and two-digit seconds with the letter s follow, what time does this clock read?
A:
10h19m56s
